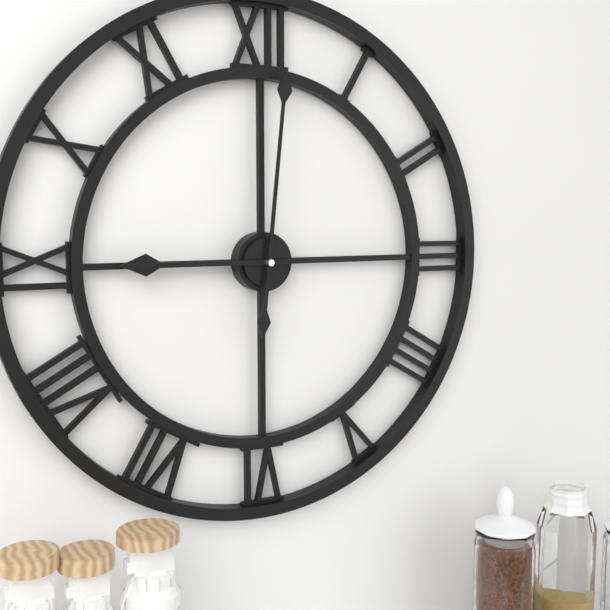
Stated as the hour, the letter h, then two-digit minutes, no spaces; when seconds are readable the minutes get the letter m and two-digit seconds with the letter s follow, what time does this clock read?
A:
9h01
